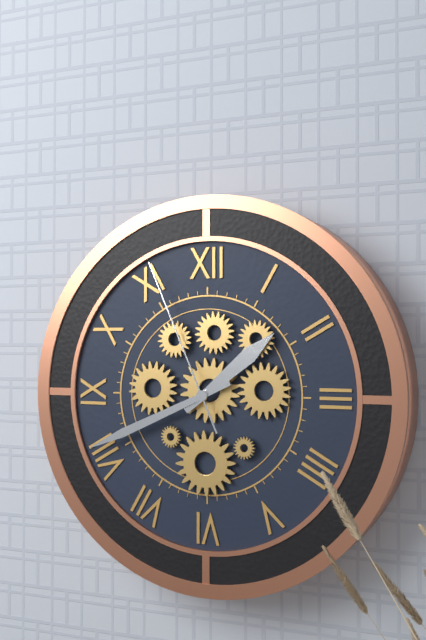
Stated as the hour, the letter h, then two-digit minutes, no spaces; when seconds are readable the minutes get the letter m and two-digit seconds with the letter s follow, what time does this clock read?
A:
1h41m56s
